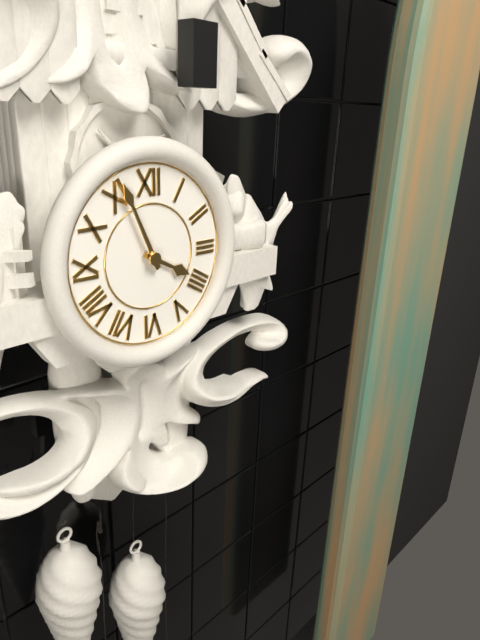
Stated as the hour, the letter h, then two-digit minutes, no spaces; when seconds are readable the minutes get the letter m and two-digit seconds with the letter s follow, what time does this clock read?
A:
3h56
